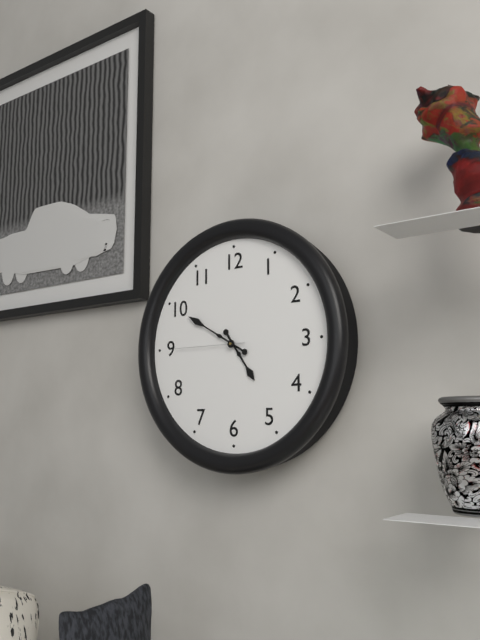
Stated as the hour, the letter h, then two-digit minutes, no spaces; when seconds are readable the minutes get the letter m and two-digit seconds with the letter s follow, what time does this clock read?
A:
4h50m45s
